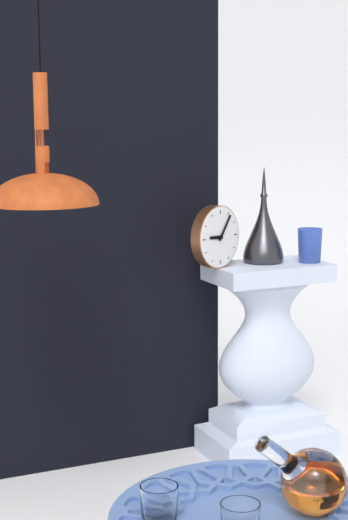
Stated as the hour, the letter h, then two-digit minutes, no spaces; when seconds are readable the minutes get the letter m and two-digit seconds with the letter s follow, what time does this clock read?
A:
9h06
